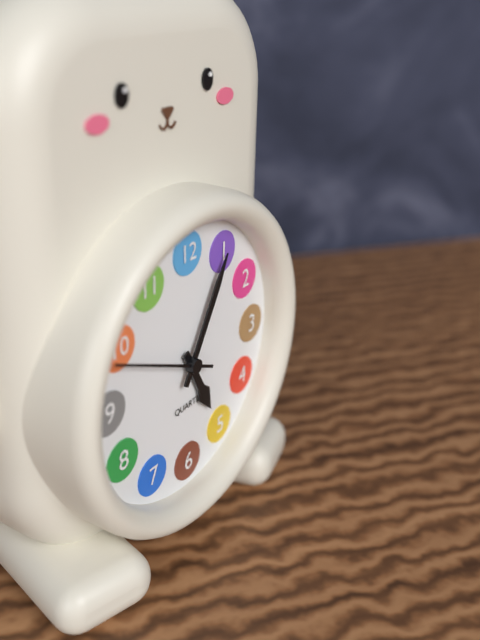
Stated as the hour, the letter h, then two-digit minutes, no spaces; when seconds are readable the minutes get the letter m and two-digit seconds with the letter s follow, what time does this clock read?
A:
5h05m49s
